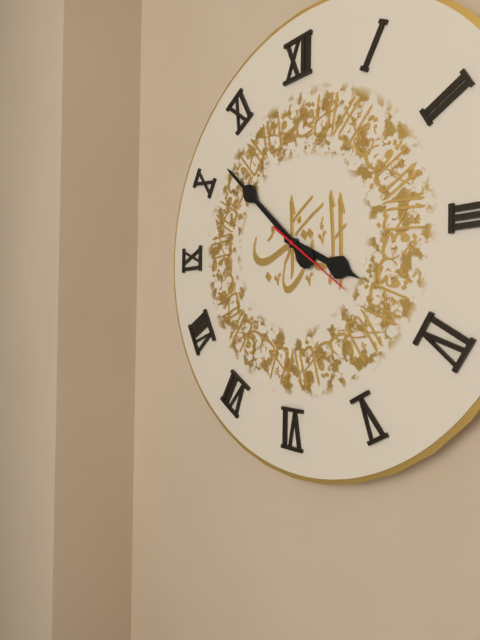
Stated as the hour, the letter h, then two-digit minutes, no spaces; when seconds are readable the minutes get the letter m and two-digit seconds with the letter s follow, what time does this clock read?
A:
3h52m21s
